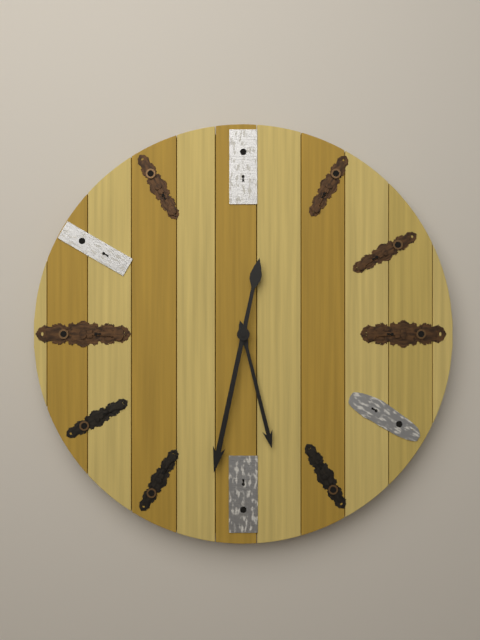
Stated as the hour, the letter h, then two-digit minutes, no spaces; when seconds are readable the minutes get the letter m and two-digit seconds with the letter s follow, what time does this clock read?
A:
5h32
